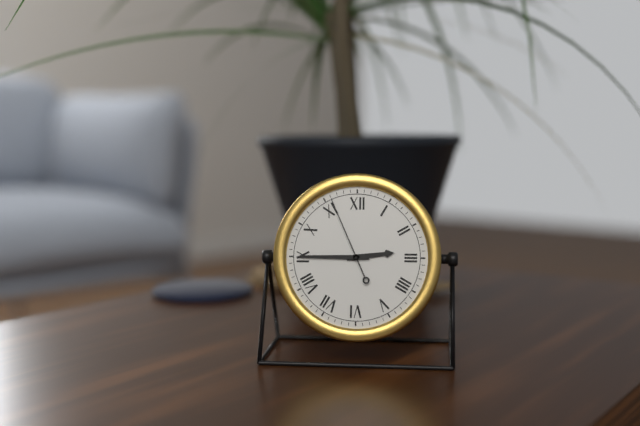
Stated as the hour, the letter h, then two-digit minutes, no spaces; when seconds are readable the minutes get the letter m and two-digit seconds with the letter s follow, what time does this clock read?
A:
2h45m56s
